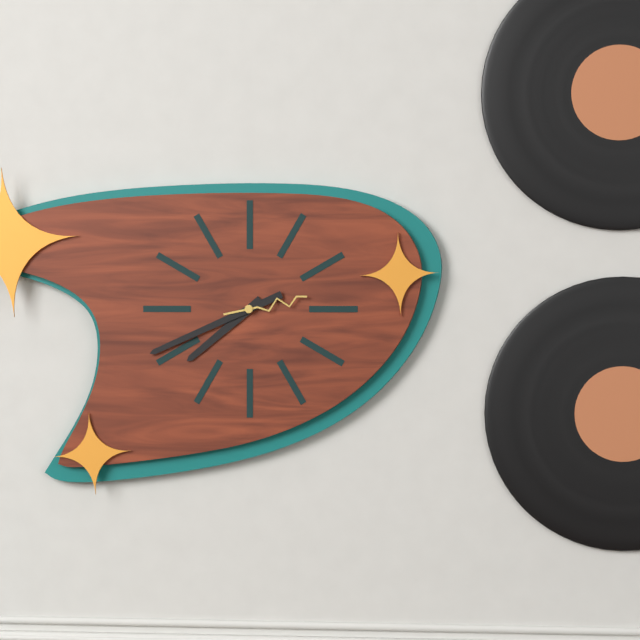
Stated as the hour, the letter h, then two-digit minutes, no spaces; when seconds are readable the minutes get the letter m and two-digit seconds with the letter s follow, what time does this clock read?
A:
7h41m13s
